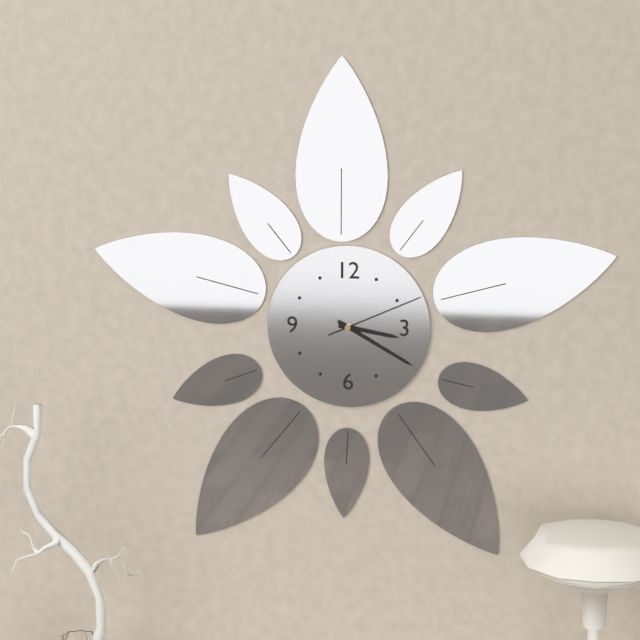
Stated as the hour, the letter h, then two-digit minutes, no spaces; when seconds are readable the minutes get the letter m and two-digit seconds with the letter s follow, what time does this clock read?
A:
3h20m11s
